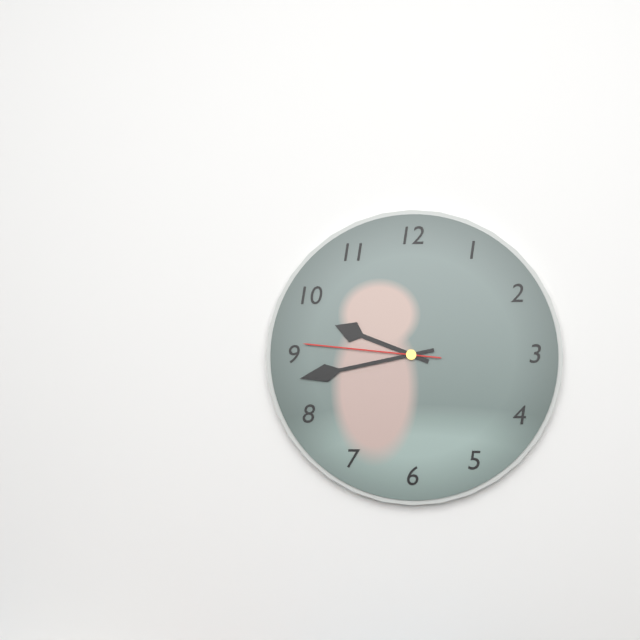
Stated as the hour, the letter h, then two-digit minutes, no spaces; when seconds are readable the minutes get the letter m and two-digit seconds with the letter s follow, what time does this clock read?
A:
9h43m46s
